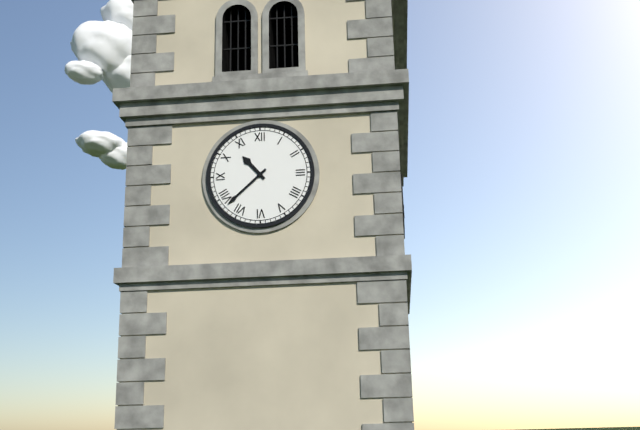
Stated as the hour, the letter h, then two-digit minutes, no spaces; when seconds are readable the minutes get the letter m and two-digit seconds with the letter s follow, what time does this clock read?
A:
10h38
